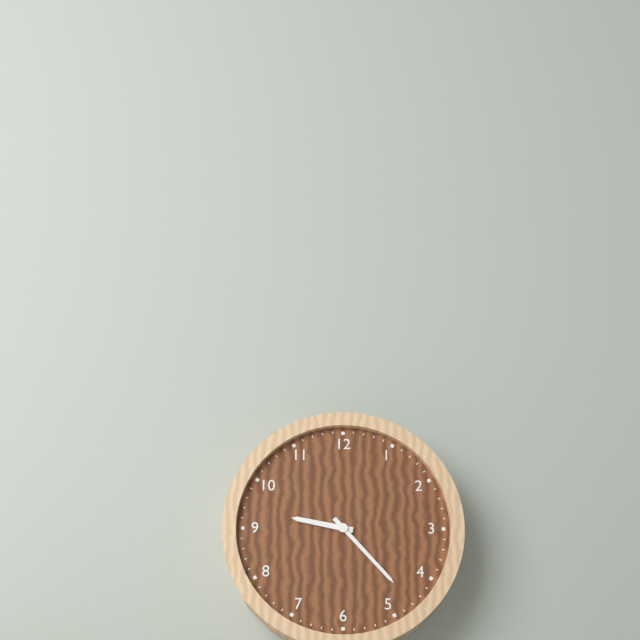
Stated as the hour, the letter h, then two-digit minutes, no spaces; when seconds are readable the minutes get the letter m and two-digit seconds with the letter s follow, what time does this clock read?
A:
9h23
